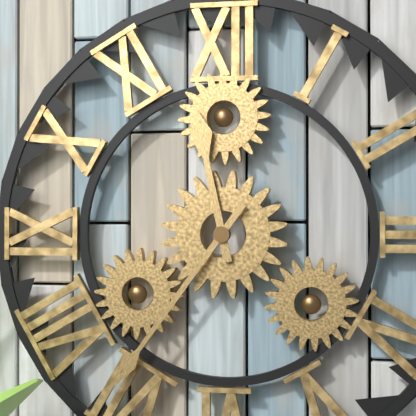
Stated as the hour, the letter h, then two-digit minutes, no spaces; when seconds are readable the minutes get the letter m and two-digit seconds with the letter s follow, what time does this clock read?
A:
11h36
